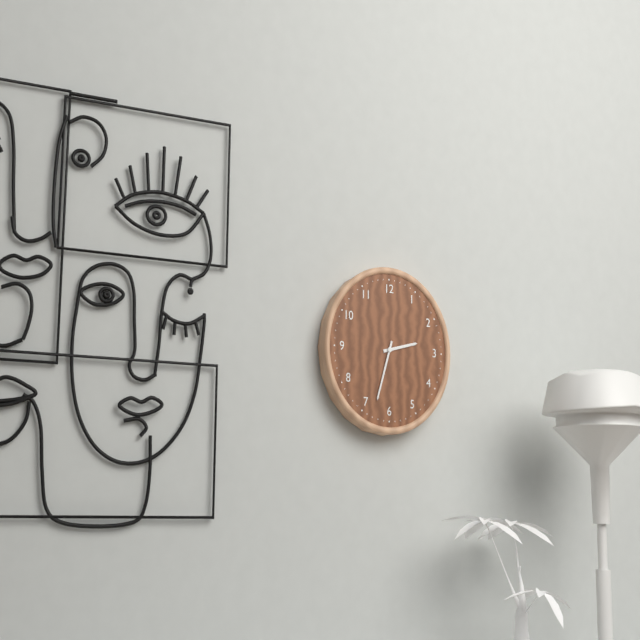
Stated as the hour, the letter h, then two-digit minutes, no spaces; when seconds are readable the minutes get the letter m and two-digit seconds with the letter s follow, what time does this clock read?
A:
2h33
